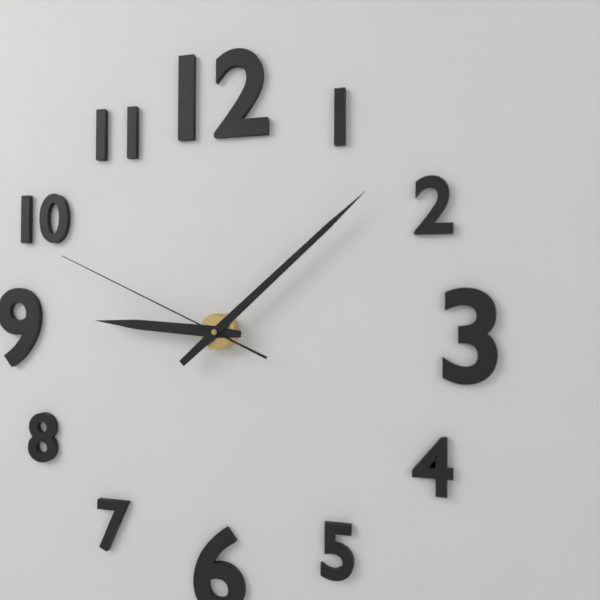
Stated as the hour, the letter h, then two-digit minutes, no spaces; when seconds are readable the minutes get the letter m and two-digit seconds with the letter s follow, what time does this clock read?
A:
9h08m49s
